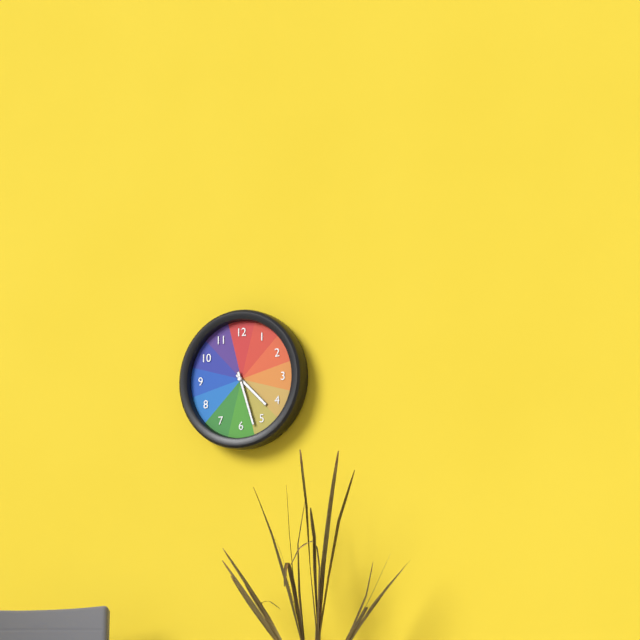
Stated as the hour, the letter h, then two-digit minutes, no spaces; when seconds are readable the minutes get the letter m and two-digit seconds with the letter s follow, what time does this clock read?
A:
4h27
